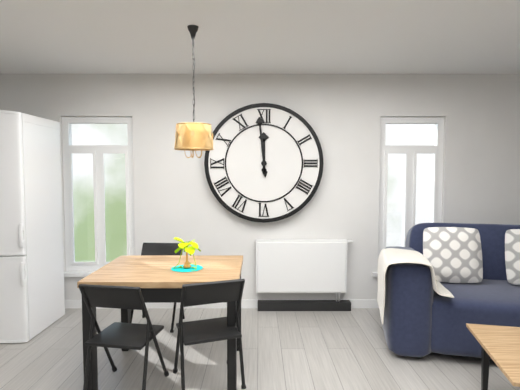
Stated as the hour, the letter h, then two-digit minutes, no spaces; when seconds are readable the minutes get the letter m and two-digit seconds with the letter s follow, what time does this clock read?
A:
11h59
